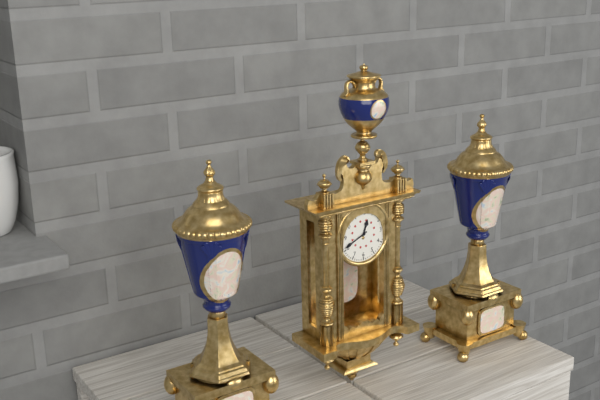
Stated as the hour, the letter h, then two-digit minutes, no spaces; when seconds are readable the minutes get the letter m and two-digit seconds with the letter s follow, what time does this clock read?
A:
12h41
